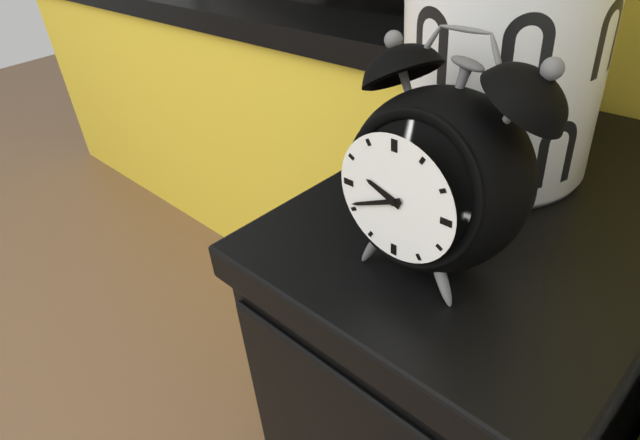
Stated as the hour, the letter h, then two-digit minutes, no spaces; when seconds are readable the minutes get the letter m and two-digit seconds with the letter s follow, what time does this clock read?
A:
9h41
